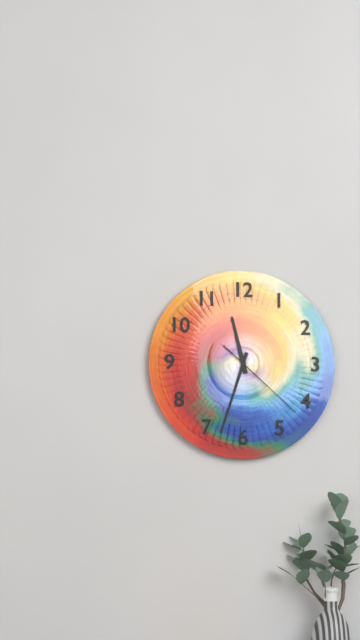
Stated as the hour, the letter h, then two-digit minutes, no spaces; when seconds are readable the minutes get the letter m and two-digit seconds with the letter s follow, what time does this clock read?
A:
11h33m22s
